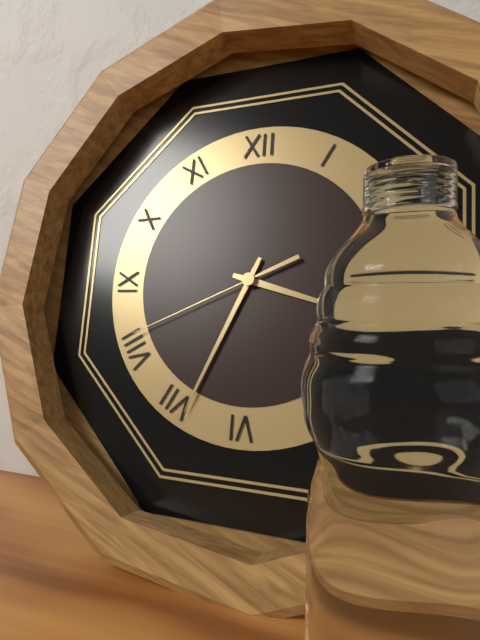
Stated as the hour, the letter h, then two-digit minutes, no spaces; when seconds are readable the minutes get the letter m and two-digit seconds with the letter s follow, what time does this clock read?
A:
3h34m41s
